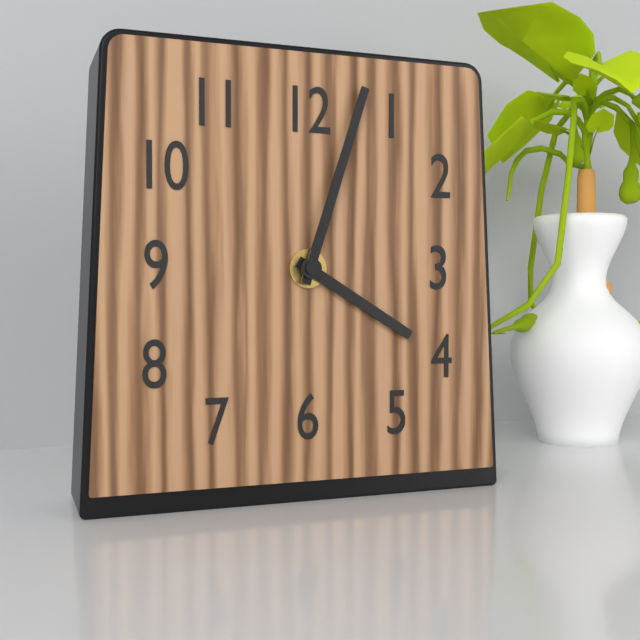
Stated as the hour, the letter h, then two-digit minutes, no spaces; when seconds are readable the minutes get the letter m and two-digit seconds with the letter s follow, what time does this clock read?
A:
4h03
